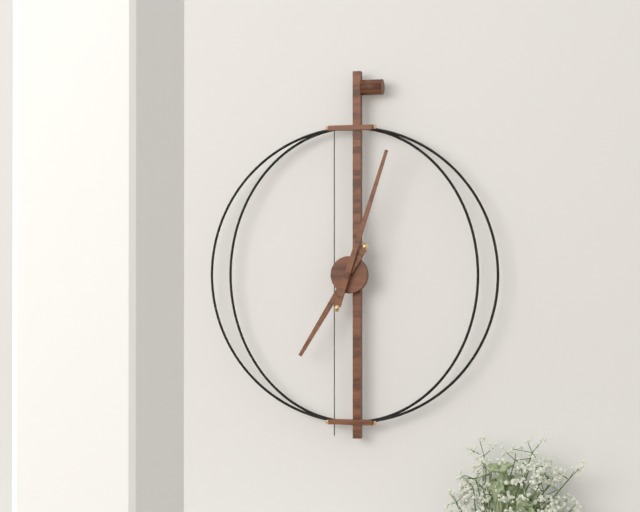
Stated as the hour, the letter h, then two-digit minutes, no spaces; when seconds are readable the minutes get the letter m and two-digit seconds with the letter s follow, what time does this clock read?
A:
7h03
